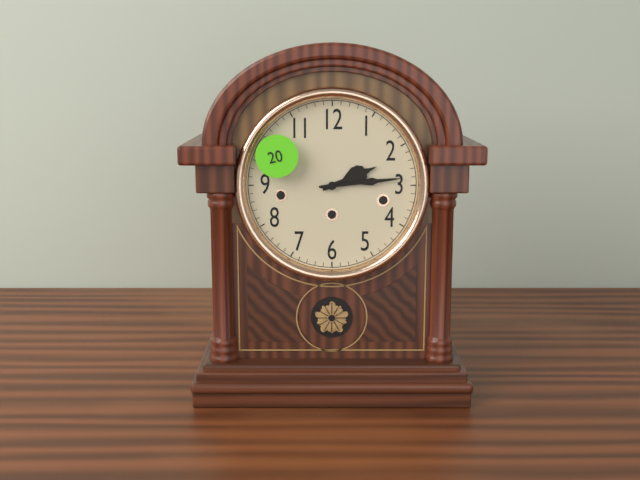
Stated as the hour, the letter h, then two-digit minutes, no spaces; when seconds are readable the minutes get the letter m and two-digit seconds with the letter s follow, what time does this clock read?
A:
2h14
